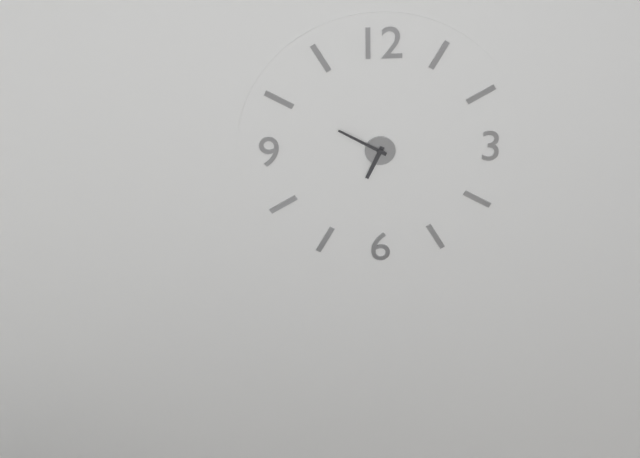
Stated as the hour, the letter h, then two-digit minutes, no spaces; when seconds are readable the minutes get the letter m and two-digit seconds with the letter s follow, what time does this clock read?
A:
6h50
